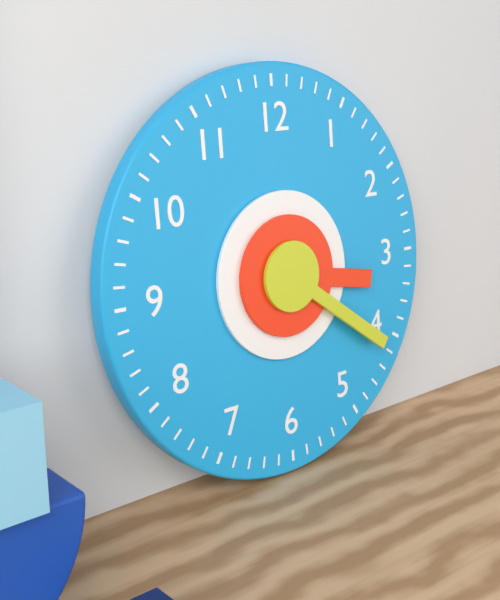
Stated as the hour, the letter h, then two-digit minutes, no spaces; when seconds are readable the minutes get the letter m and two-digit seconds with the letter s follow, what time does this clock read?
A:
3h21
